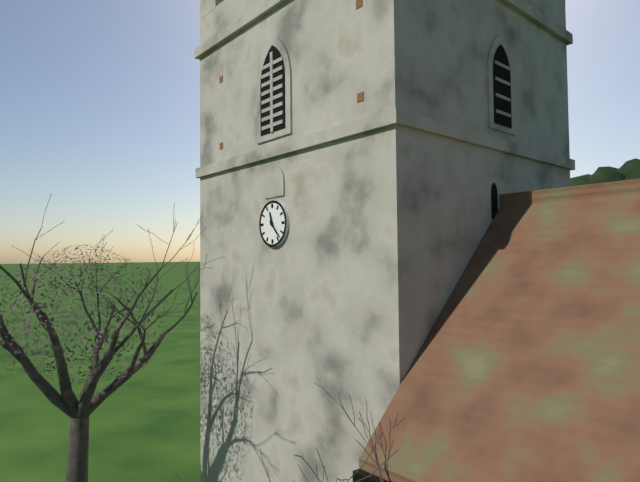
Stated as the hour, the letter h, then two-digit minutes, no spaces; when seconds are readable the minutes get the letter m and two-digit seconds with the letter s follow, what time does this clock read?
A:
11h23
